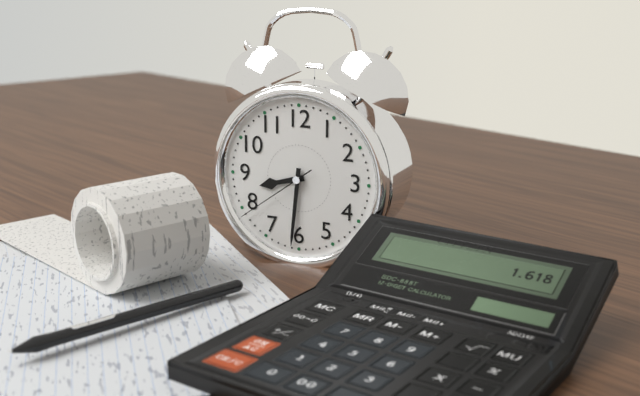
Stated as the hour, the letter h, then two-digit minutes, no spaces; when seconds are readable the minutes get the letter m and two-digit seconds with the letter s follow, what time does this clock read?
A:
8h31m39s
